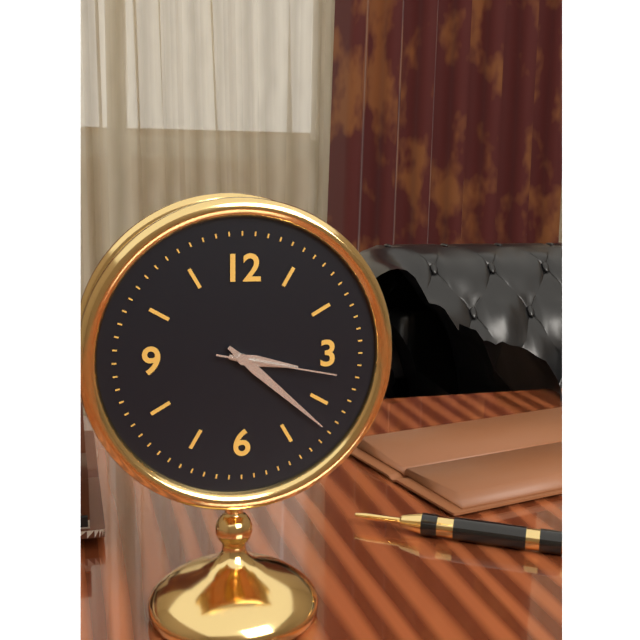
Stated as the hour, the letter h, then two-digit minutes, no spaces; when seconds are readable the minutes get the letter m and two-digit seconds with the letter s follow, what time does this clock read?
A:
3h22m17s
